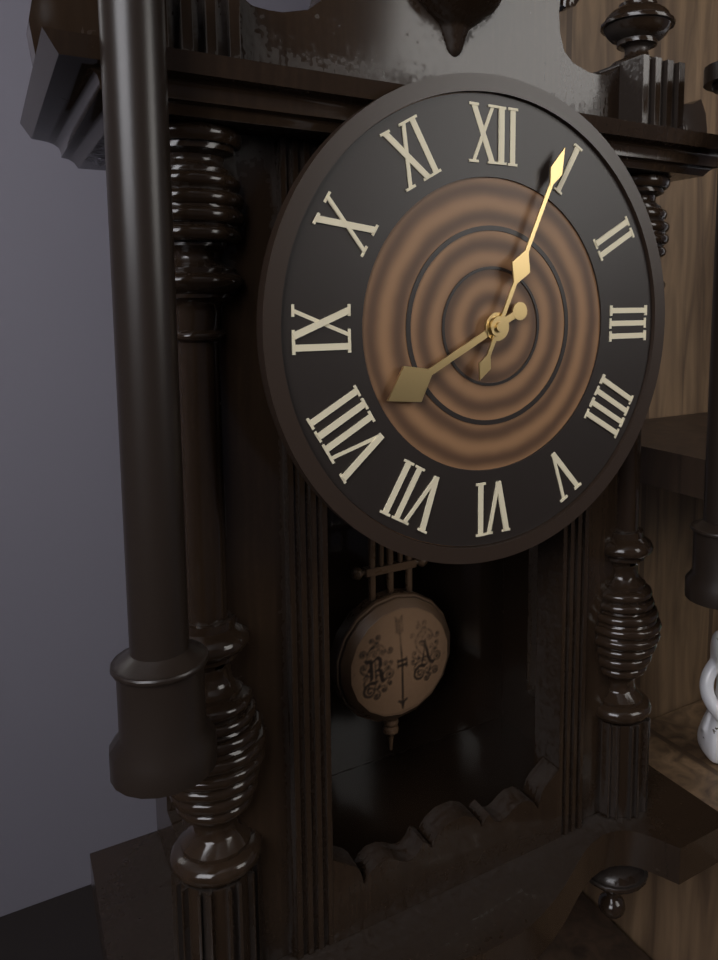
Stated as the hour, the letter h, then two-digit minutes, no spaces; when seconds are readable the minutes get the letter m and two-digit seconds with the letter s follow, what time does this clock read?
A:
8h04
